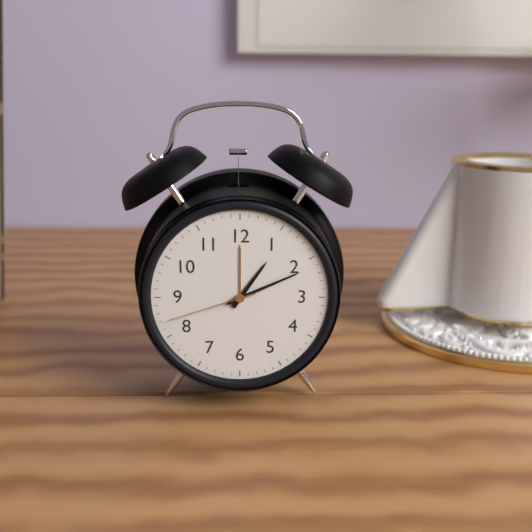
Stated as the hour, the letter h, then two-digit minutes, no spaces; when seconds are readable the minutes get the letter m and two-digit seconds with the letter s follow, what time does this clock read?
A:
1h11m42s
